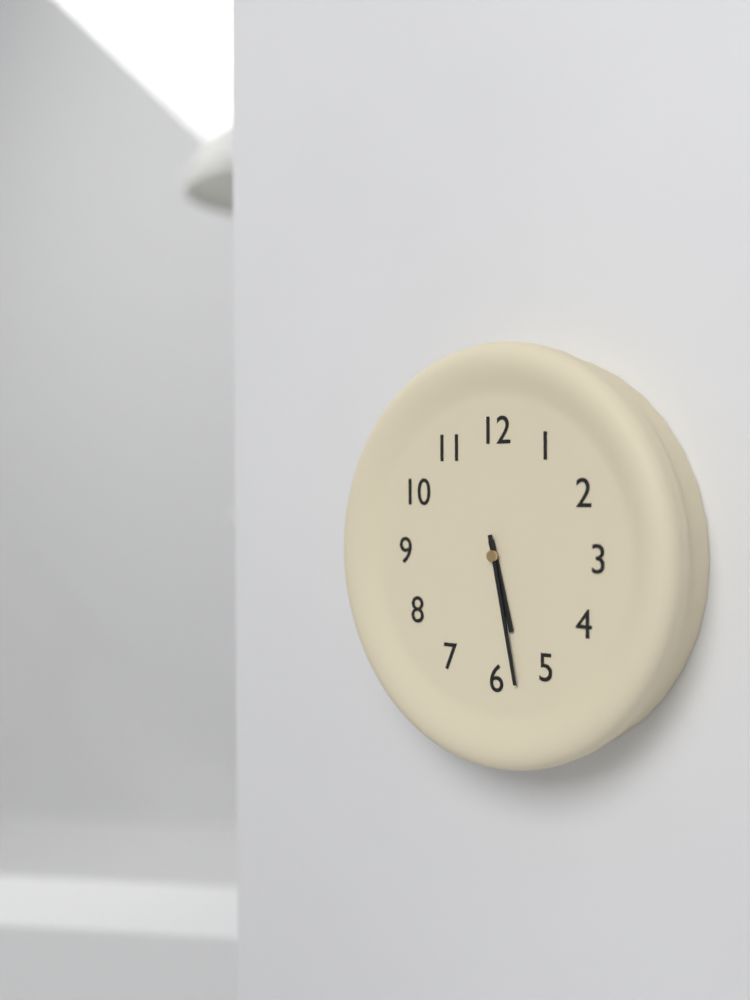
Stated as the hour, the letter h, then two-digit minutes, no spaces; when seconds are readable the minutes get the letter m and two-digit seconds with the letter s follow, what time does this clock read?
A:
5h28
